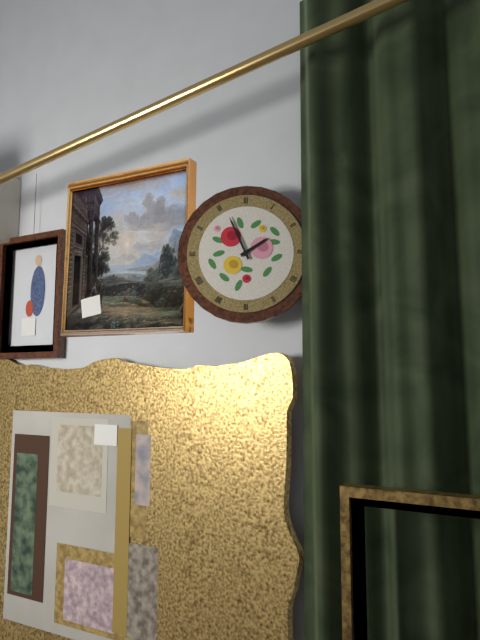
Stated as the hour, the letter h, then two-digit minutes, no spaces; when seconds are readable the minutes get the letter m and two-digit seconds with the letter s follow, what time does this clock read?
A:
1h56
